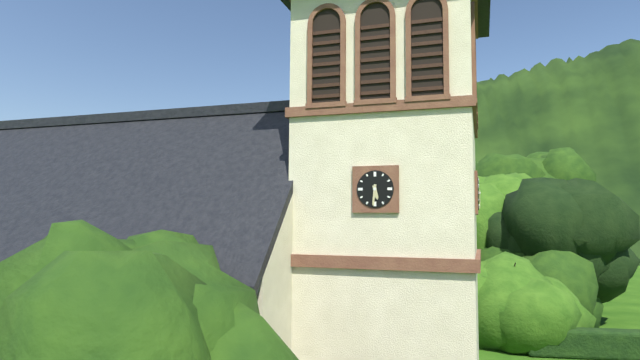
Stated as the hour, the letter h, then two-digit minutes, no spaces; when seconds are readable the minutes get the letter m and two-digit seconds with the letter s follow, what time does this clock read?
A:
5h31
